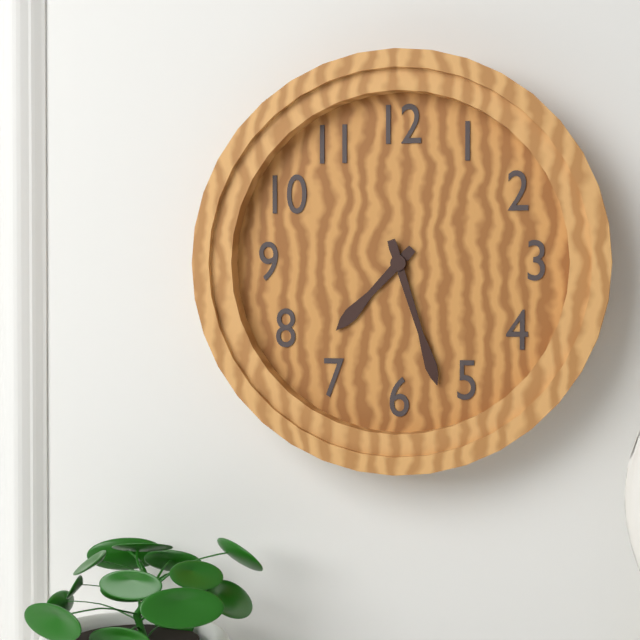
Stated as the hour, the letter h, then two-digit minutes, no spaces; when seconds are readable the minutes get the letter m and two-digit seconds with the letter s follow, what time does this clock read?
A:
7h27
